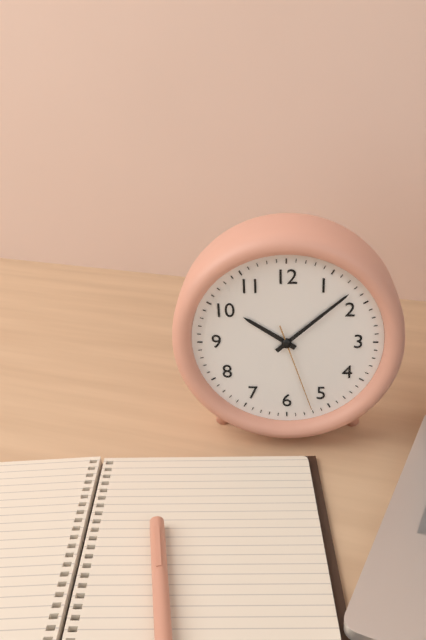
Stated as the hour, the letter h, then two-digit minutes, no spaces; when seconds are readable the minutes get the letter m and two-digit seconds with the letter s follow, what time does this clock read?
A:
10h08m27s
